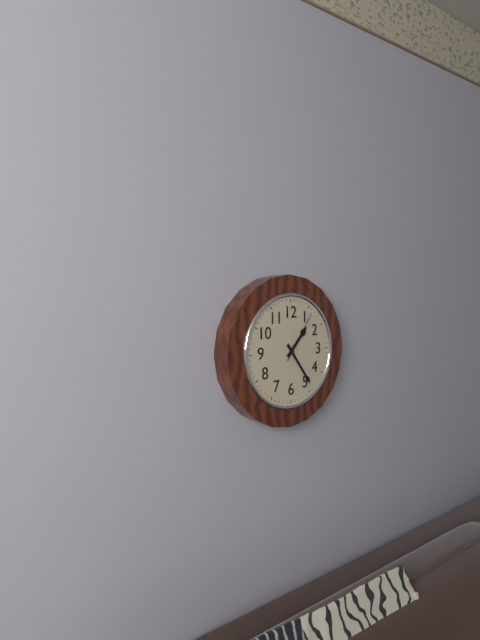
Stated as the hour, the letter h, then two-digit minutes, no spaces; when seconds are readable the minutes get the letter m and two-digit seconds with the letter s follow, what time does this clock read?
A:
1h24m06s
